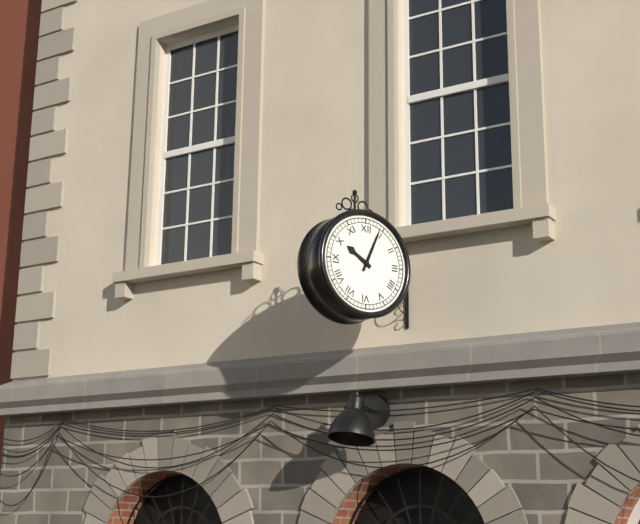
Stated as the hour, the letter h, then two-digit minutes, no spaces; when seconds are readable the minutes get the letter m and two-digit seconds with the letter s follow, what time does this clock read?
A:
10h04
